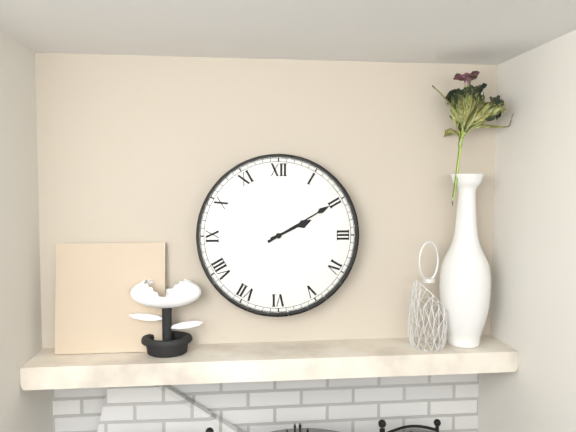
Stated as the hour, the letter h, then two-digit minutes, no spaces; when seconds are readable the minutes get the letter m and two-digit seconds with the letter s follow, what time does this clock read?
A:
2h10
